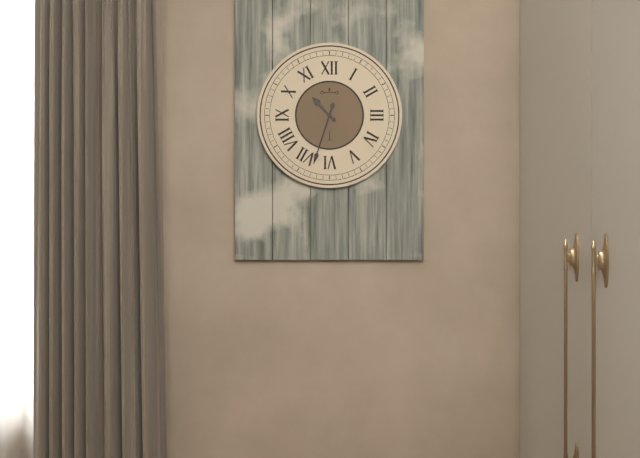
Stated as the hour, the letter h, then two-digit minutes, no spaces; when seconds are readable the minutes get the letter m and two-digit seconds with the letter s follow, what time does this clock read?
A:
10h33
